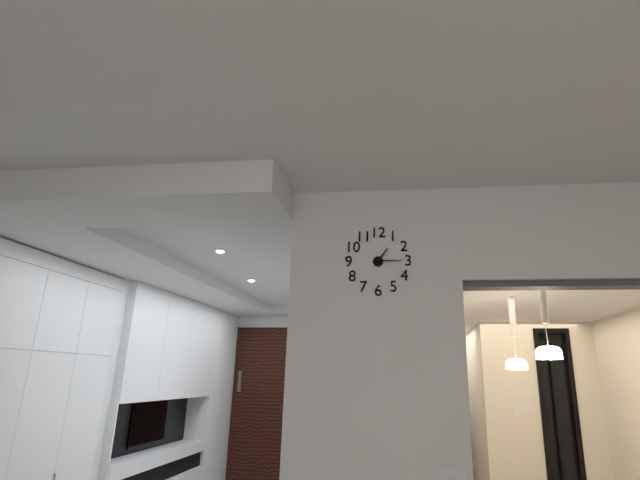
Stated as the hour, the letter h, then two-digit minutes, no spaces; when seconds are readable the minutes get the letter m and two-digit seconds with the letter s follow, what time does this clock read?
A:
1h15
